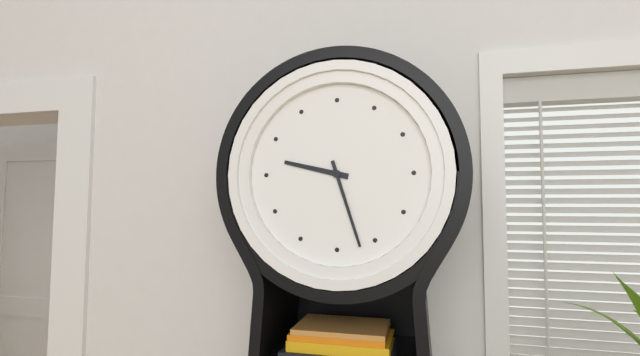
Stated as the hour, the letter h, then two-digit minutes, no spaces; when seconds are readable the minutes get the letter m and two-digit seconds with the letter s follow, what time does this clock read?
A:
9h27
